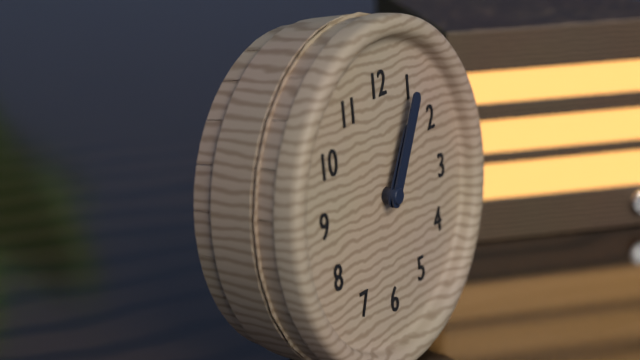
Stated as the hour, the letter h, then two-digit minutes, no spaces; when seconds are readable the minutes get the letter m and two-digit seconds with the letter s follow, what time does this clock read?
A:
1h05
